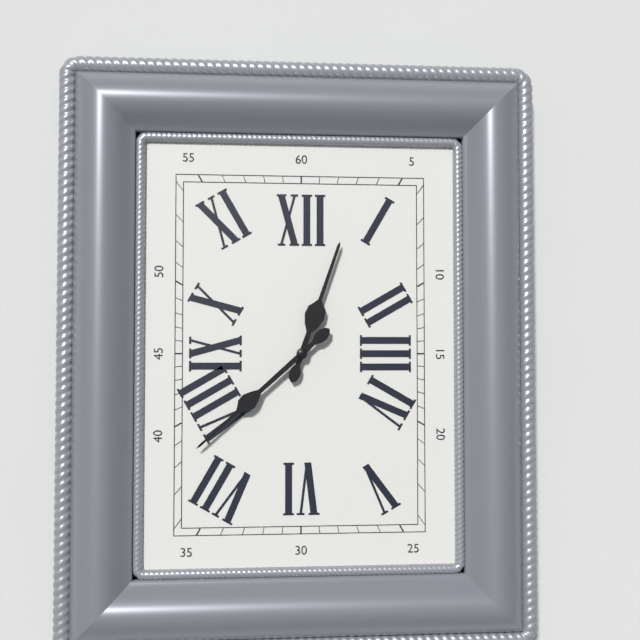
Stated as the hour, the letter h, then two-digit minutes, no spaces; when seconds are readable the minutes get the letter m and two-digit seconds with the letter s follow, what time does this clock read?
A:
12h38
